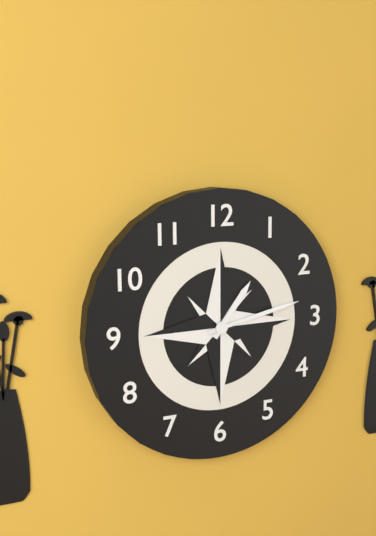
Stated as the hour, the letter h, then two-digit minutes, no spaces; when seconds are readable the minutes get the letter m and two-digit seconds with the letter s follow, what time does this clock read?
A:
1h13
